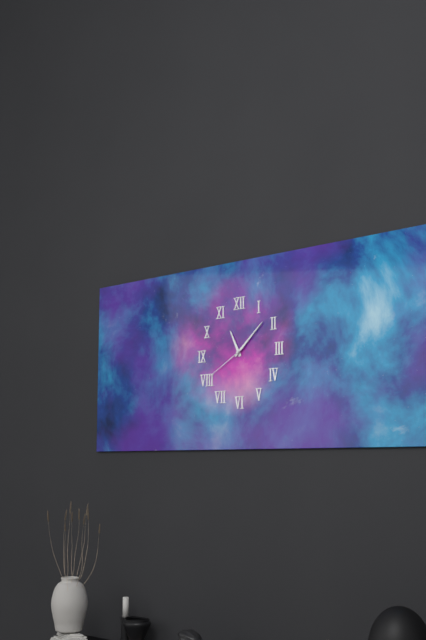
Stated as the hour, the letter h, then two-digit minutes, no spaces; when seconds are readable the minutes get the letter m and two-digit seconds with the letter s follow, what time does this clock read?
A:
11h08m40s
